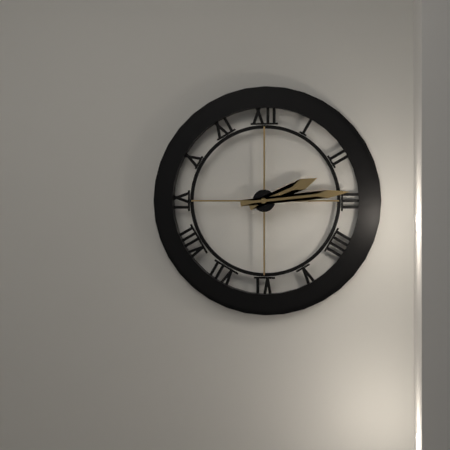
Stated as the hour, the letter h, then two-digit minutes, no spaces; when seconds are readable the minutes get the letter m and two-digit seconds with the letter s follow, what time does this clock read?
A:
2h14
